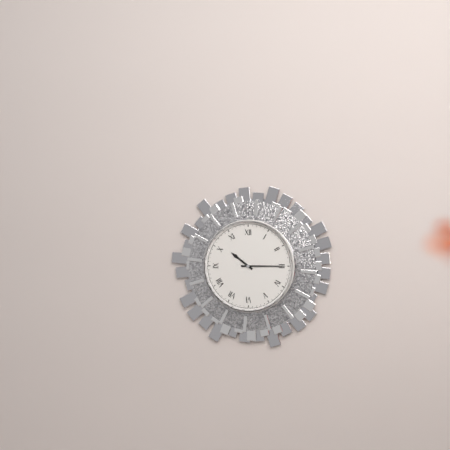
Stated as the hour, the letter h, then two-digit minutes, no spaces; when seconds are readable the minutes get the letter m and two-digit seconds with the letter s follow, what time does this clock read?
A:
10h15
